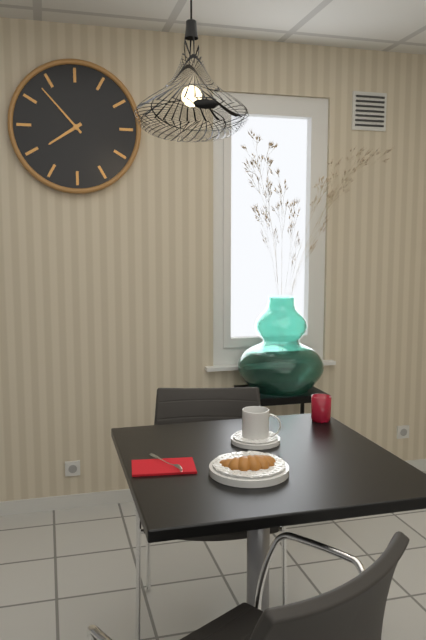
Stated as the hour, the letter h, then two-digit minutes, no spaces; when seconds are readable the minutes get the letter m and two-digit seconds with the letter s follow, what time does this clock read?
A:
7h53
